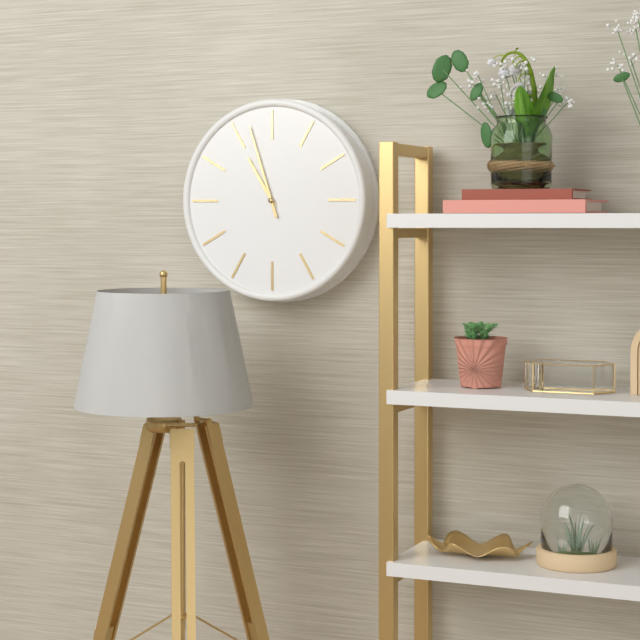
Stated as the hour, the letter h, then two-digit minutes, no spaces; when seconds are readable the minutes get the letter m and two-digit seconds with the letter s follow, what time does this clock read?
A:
10h57
